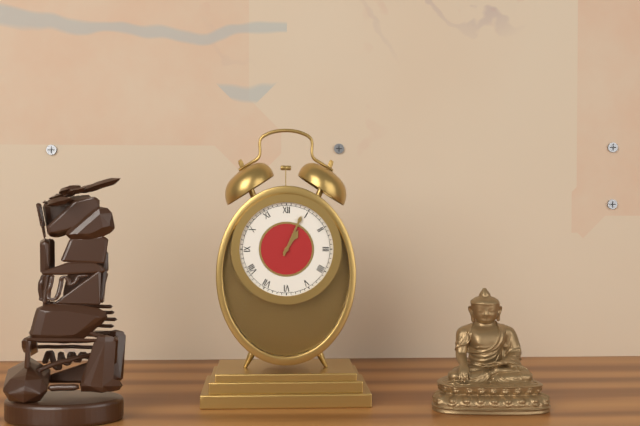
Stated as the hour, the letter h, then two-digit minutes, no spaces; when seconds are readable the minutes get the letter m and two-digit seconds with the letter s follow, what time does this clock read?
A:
1h04
